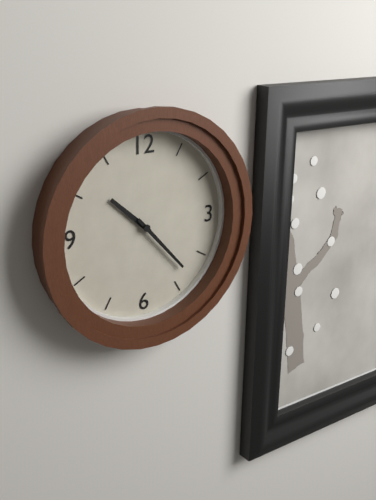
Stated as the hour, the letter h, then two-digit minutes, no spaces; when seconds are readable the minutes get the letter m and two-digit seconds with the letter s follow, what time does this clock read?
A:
10h23
